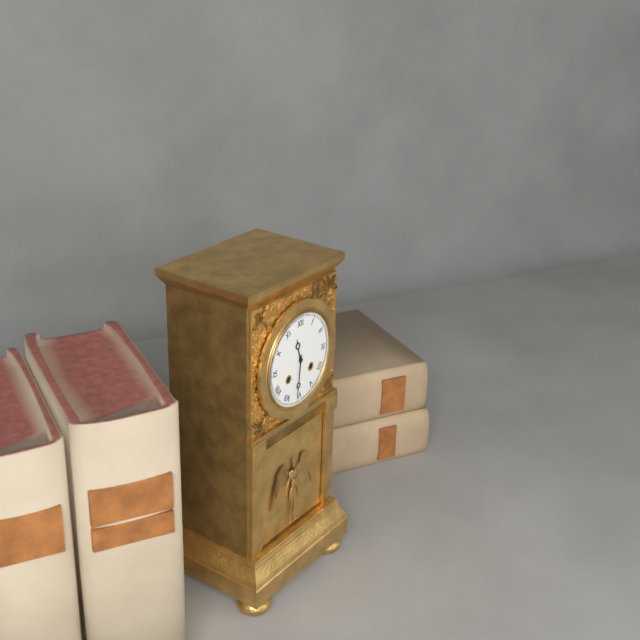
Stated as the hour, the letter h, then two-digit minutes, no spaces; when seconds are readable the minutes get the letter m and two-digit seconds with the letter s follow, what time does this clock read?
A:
11h31
